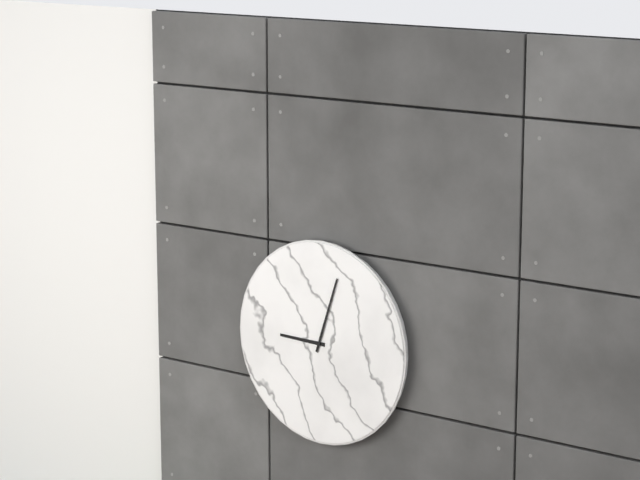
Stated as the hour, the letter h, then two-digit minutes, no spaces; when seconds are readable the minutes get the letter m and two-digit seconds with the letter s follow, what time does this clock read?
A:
9h03
